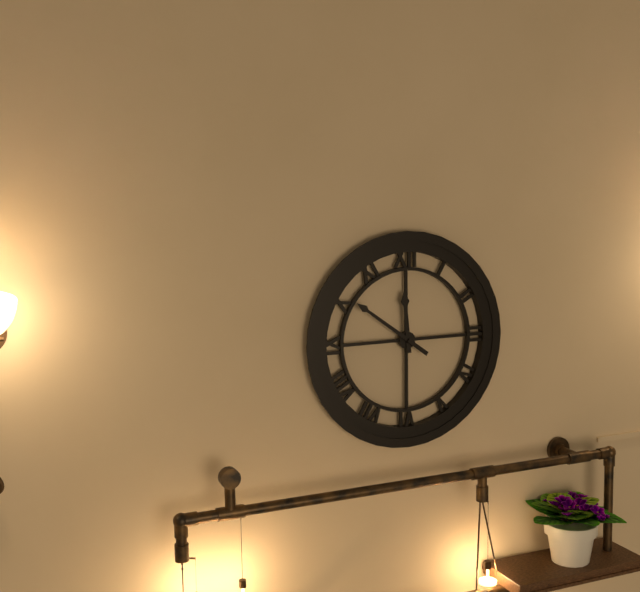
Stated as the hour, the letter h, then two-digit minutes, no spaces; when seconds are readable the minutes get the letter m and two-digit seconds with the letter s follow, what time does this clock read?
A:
11h51
